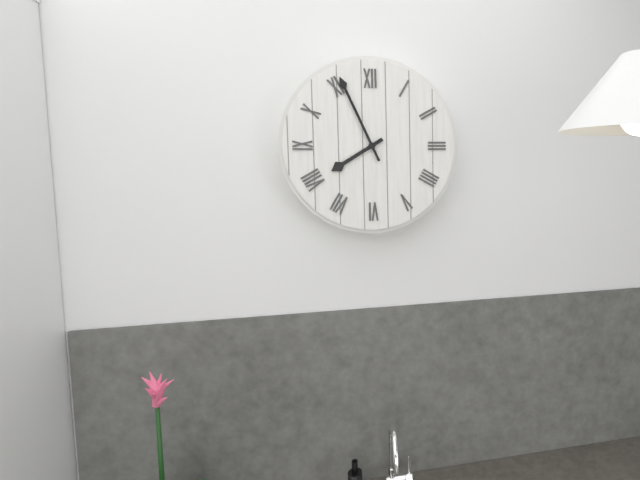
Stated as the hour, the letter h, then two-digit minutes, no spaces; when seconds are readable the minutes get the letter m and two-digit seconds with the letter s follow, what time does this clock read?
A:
7h56
